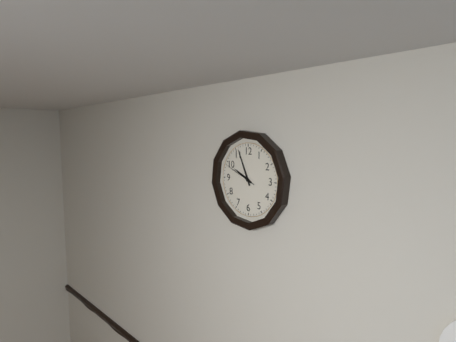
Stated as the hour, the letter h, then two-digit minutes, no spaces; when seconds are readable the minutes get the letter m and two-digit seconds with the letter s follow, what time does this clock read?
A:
9h56
